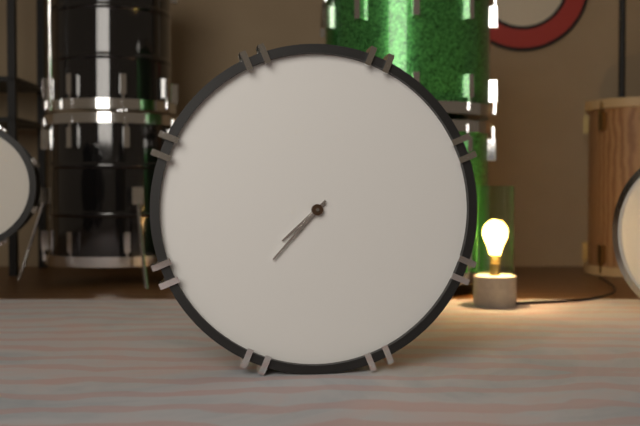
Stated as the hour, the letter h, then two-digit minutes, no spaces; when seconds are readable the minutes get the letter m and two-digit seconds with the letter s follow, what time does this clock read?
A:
7h37
